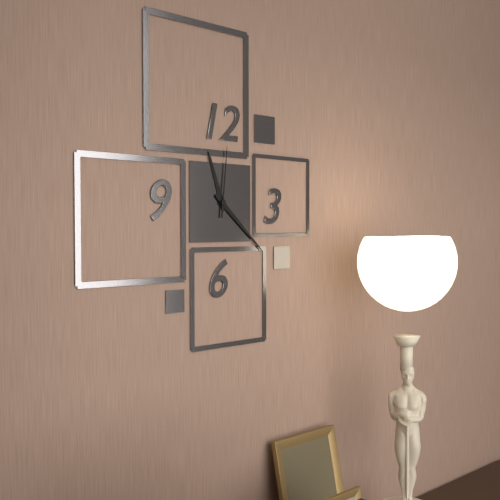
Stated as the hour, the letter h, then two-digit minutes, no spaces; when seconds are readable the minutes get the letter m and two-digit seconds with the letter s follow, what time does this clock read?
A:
11h22m01s
